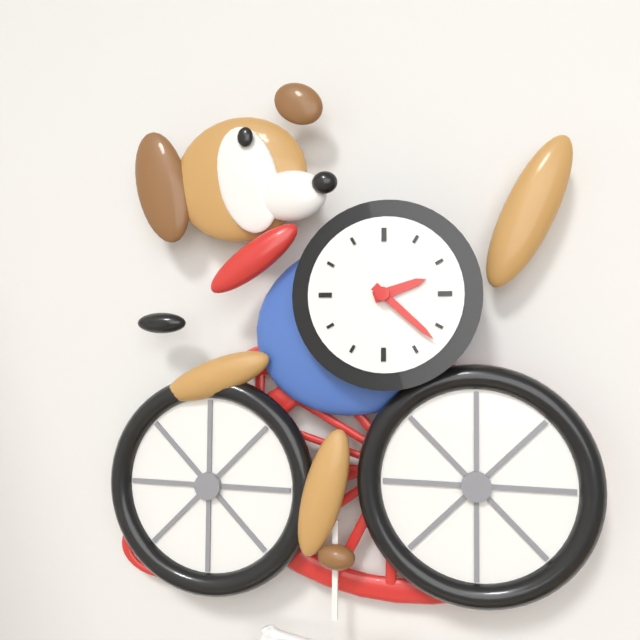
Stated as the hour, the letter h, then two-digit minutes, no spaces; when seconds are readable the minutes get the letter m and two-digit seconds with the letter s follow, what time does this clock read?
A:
2h22
